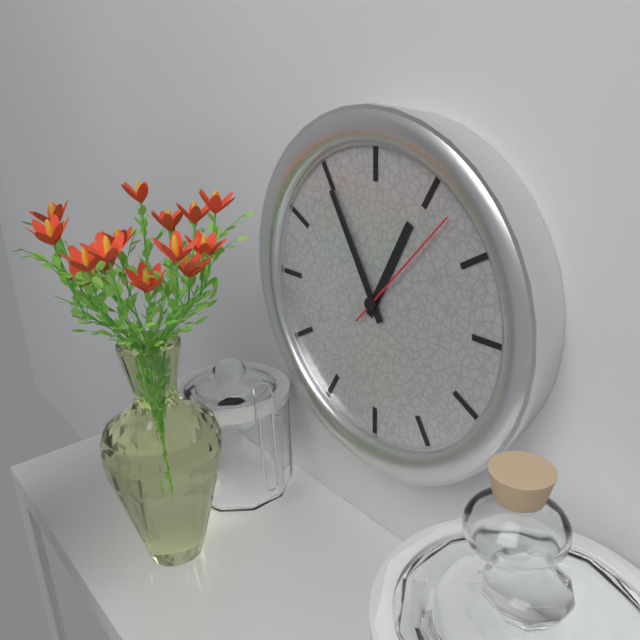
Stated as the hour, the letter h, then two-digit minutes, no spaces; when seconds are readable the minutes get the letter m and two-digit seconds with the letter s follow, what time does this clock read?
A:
12h55m07s
